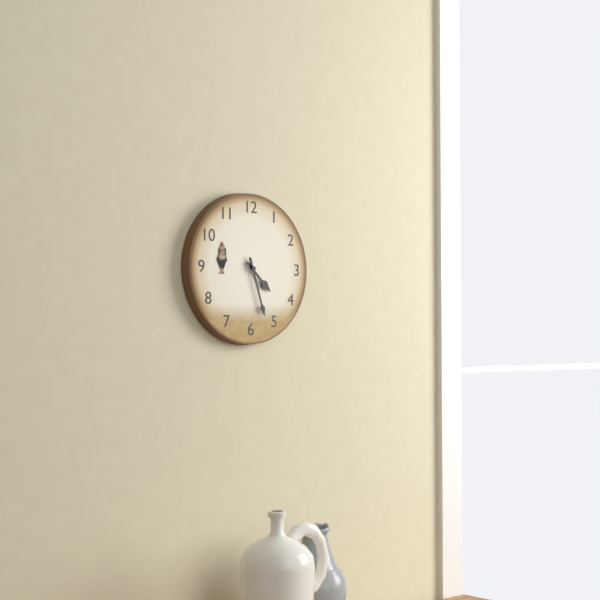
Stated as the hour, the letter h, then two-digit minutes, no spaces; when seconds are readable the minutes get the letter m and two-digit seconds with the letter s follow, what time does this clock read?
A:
4h27
